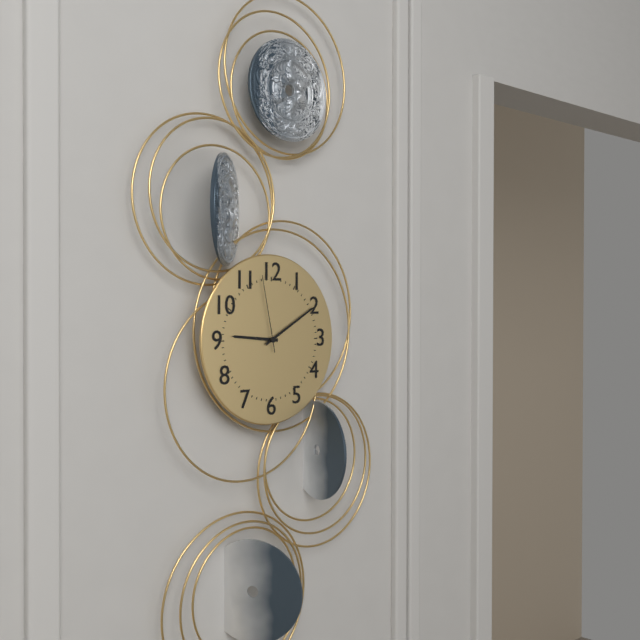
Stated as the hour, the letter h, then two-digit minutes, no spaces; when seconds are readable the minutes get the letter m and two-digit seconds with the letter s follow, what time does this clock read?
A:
9h10m58s
